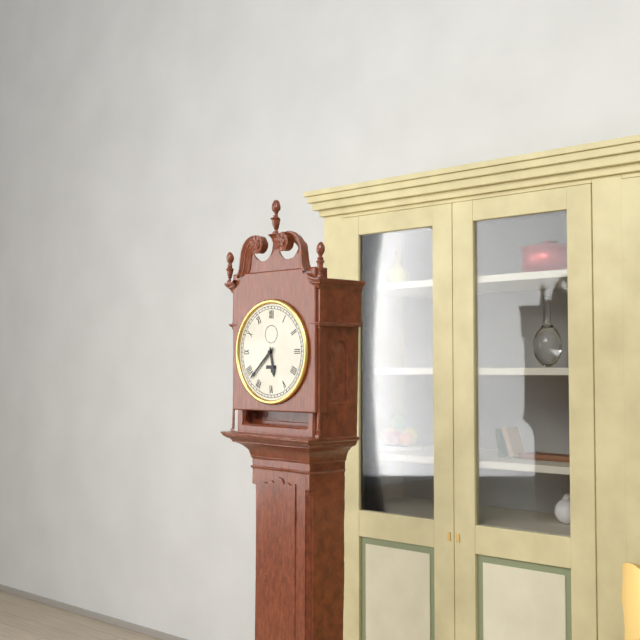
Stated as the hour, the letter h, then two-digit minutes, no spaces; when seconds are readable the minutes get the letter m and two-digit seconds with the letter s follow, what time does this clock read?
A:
5h38
